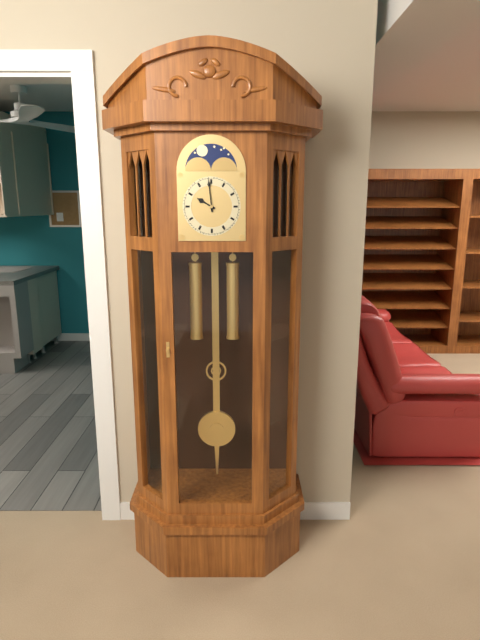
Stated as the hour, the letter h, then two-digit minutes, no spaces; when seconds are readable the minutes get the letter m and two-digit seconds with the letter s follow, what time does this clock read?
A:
9h59
